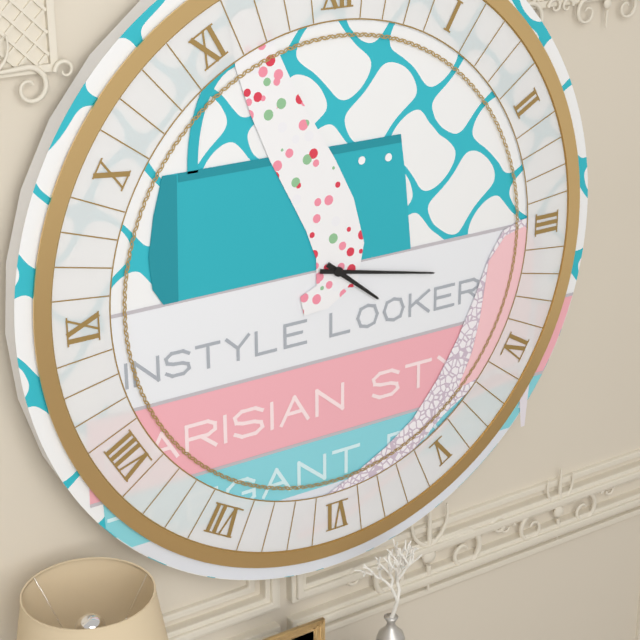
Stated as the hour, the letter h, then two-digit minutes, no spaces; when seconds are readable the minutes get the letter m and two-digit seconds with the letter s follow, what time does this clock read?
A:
4h17
